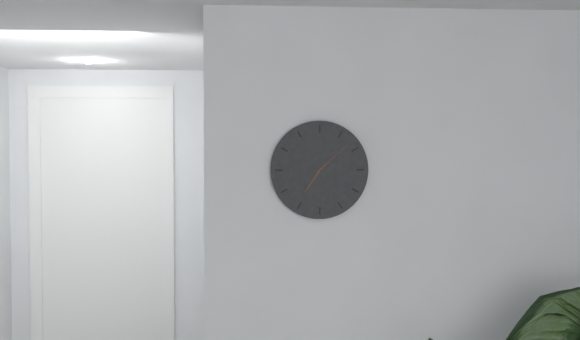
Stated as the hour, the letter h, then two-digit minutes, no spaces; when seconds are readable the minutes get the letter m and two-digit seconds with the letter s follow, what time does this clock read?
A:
7h08
